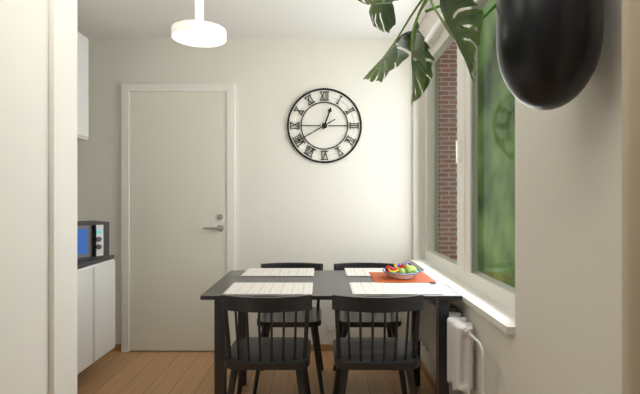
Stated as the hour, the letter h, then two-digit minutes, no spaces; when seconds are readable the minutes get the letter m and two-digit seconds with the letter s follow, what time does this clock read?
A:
12h40
